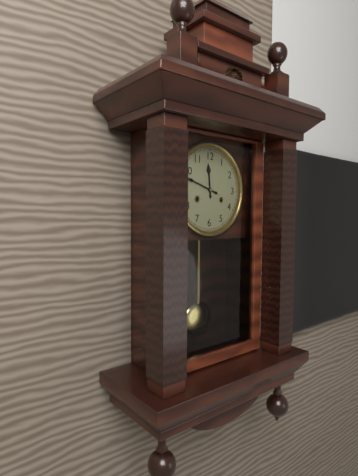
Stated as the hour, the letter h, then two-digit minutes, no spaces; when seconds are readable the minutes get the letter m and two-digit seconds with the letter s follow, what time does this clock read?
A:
11h48
